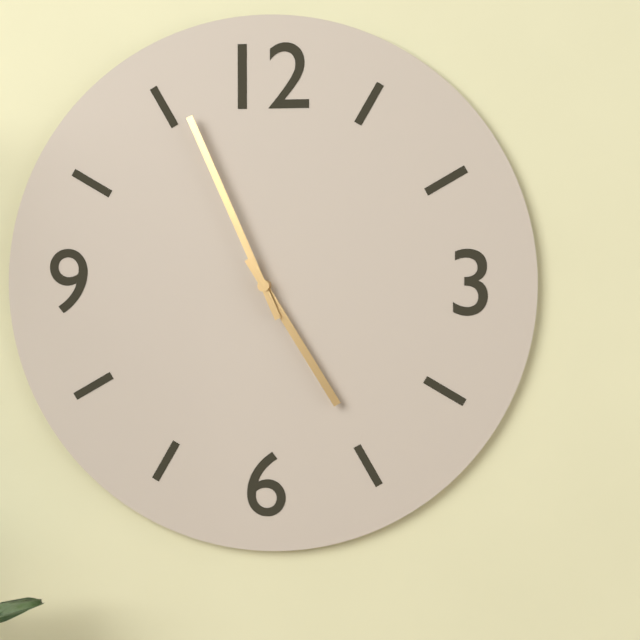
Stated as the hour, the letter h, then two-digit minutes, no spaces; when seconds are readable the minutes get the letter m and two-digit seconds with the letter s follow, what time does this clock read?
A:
4h56
